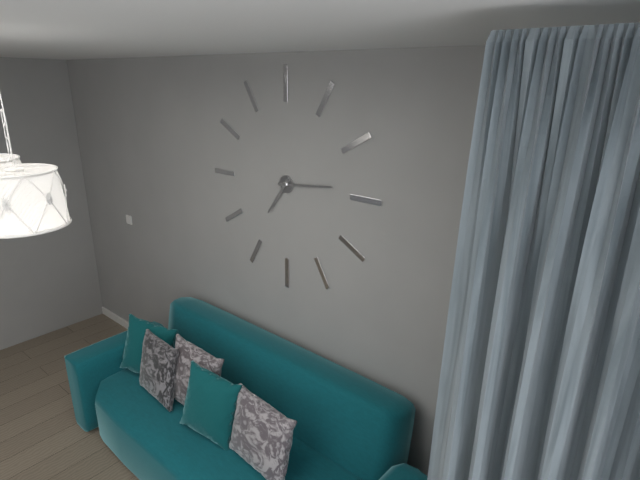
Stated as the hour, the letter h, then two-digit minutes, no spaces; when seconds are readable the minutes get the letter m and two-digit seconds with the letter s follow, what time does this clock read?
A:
7h14
